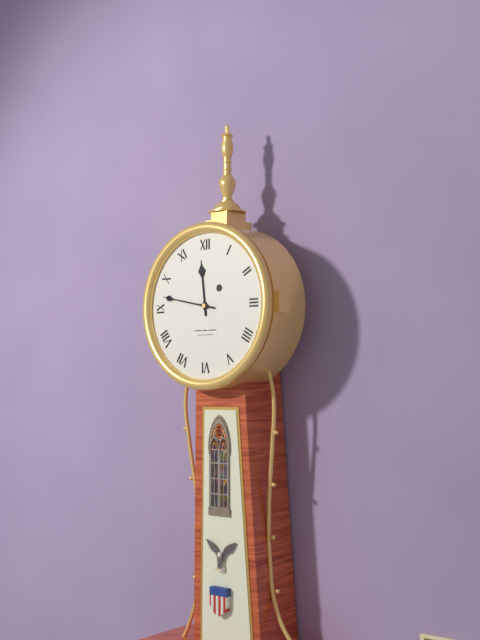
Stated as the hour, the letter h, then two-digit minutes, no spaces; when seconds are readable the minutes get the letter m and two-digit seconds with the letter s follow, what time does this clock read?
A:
11h47
